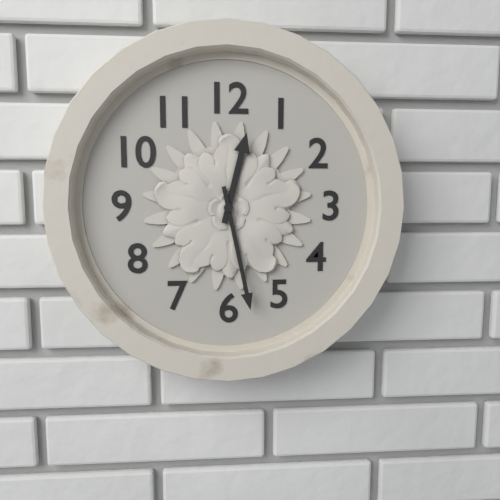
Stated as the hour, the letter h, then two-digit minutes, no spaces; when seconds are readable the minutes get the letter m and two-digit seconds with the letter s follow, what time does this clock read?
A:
12h28
